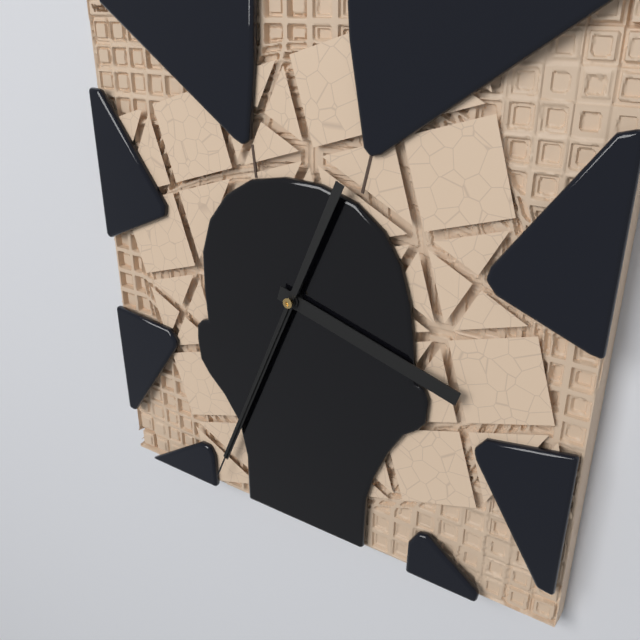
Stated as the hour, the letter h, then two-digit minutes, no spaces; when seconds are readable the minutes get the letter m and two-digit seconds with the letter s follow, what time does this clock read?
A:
3h34m34s
